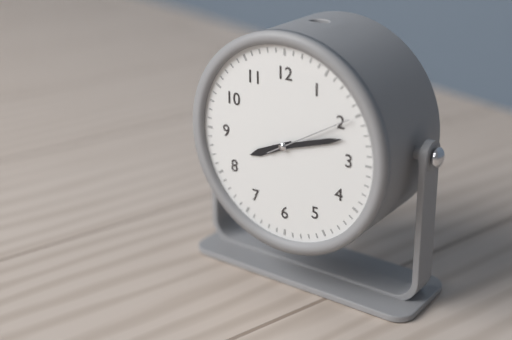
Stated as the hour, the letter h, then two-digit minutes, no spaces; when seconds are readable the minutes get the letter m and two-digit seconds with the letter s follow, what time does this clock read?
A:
8h12m10s
